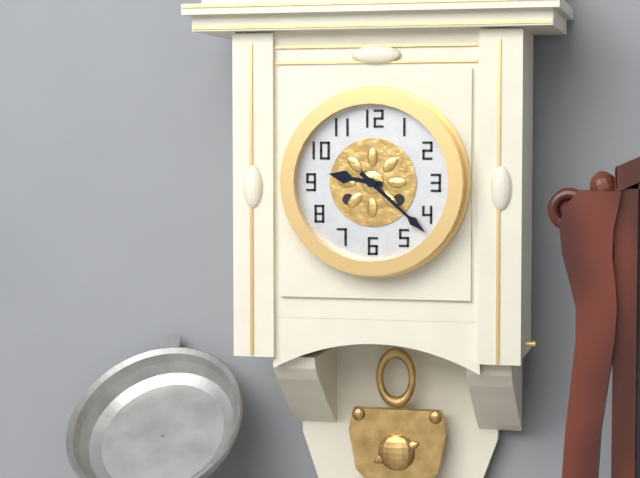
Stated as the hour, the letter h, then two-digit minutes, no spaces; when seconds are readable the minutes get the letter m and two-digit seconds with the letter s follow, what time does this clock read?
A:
9h22
